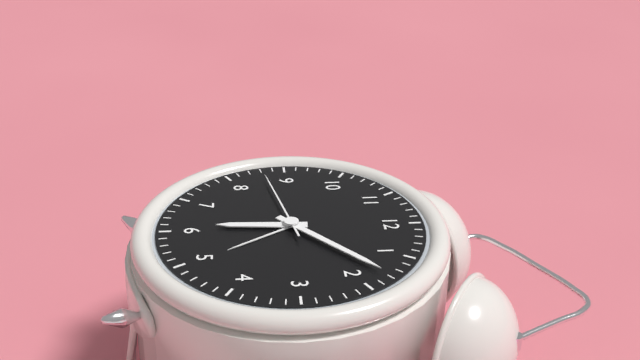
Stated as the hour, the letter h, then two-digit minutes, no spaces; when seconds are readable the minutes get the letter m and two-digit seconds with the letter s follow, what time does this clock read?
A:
6h08m43s
